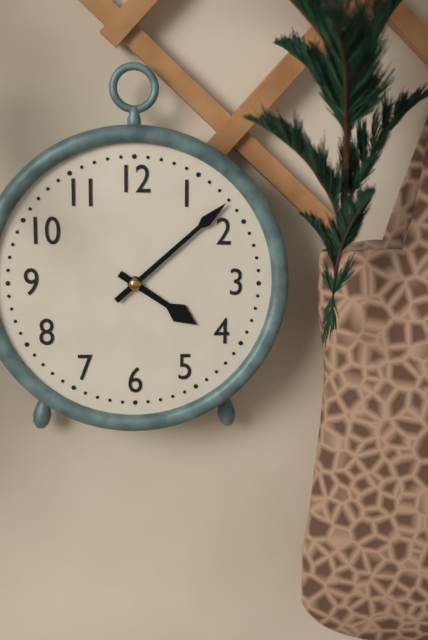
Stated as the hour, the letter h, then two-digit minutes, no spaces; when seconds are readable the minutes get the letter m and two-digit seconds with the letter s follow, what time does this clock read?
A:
4h08
